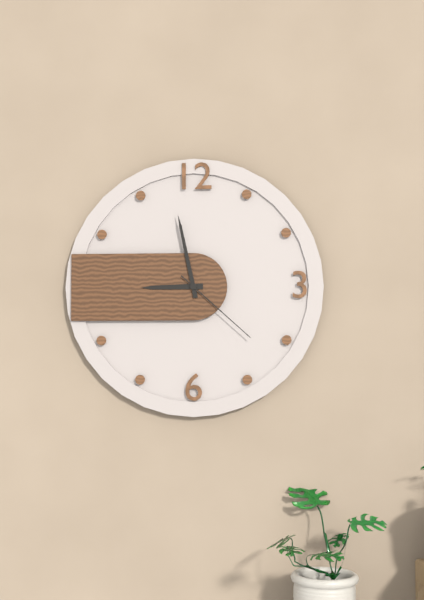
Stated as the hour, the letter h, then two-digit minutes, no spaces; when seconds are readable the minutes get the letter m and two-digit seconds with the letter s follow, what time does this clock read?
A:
8h58m22s
